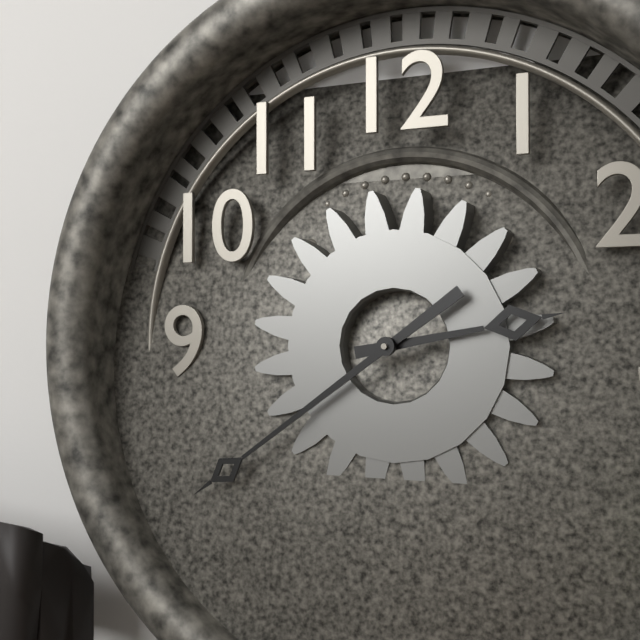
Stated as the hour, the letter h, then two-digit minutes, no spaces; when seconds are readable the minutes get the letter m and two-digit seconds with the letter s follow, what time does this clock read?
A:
2h39
